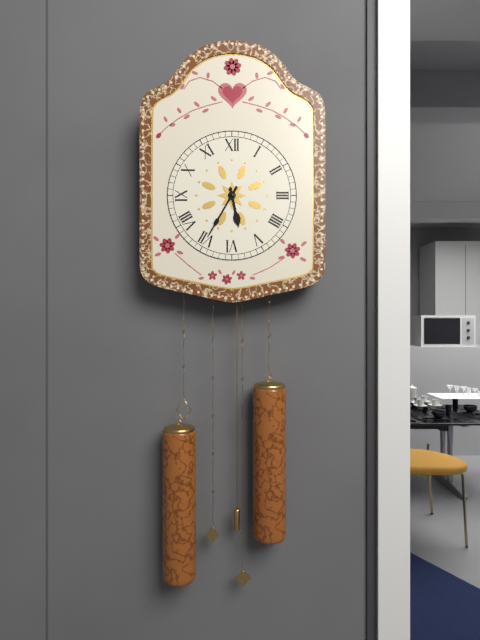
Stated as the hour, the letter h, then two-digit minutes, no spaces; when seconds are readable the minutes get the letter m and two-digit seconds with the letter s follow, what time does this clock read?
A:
5h35
